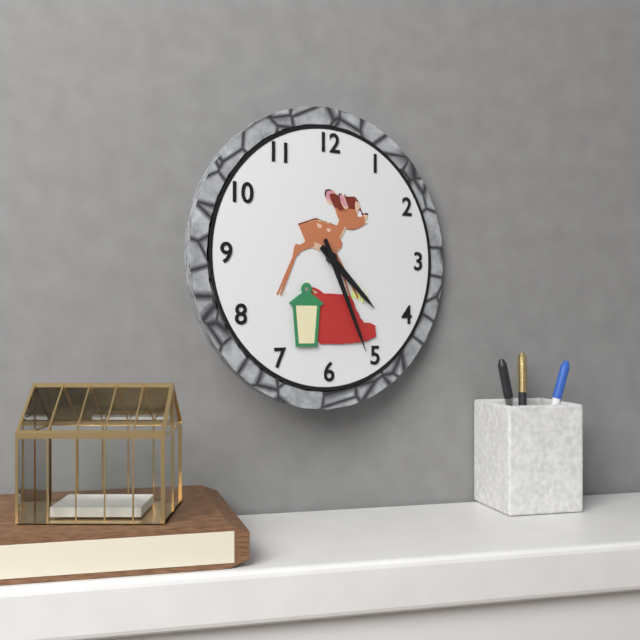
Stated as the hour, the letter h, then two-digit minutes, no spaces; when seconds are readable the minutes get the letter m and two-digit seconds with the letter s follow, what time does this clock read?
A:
4h26
